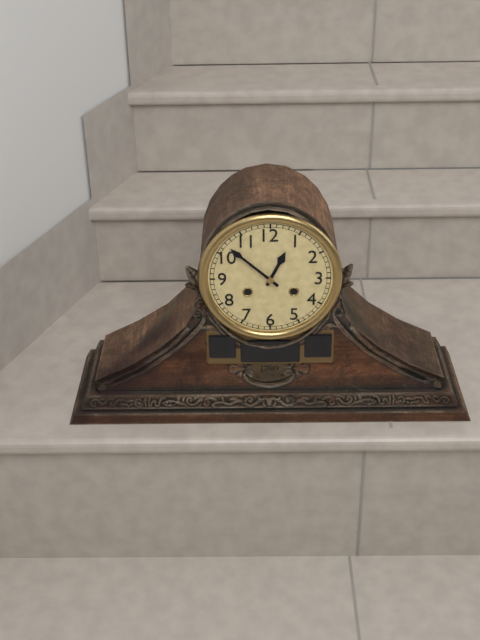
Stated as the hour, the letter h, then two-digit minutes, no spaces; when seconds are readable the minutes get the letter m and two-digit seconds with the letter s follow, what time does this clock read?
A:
12h52
